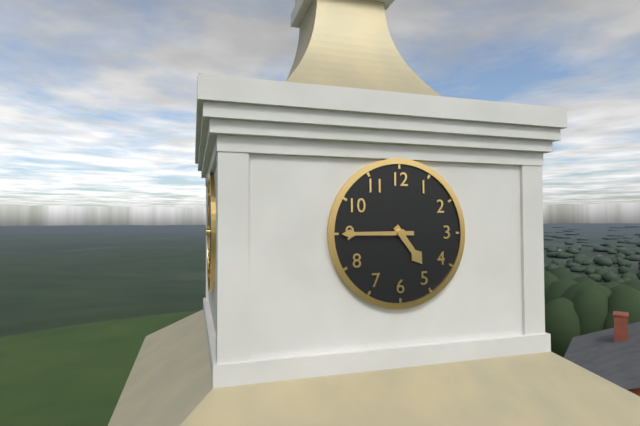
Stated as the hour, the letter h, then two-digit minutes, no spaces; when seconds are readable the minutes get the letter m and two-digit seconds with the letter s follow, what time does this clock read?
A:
4h45
